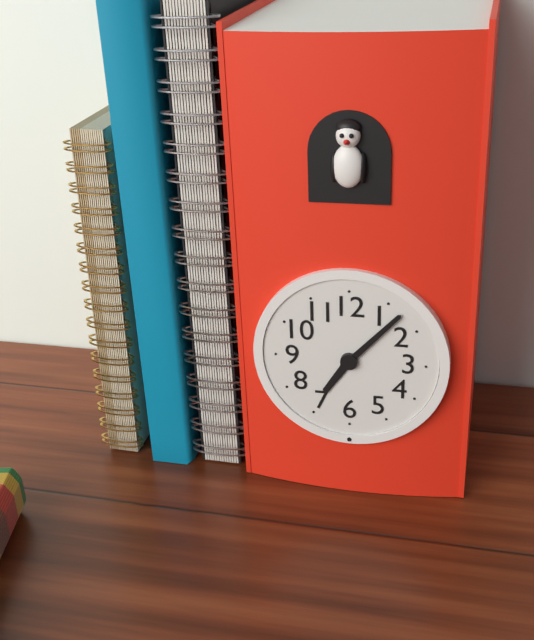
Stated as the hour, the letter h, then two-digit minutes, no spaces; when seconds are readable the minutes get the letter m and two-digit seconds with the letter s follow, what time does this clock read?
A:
7h07
